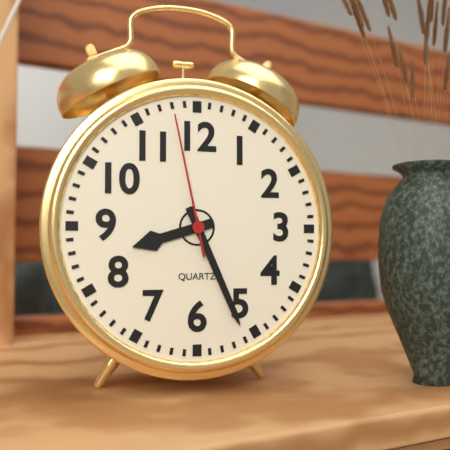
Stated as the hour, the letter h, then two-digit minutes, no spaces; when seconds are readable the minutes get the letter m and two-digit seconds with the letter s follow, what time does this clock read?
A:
8h26m58s
